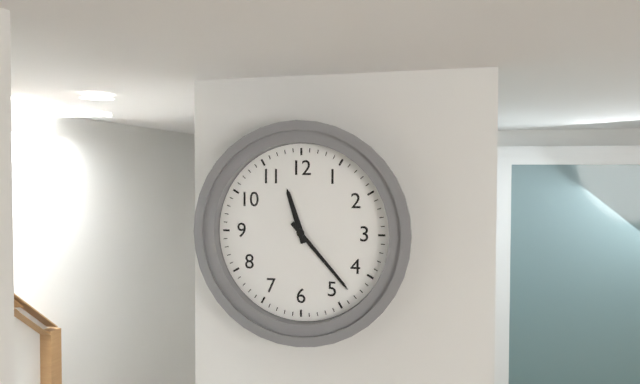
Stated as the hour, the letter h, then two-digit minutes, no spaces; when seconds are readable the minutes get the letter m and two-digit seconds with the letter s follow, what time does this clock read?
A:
11h23
